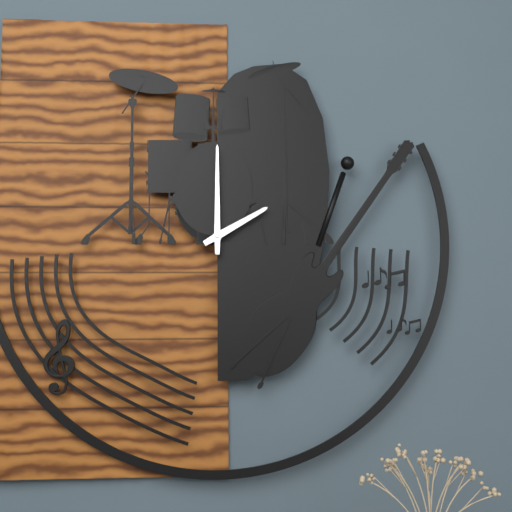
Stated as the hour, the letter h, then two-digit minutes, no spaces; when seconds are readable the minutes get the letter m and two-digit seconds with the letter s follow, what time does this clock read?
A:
2h00
